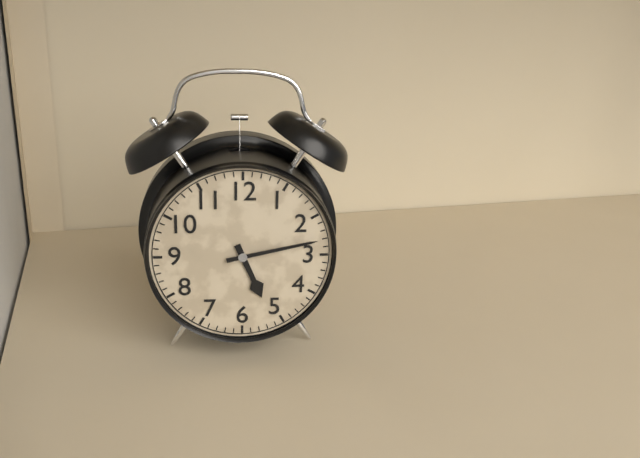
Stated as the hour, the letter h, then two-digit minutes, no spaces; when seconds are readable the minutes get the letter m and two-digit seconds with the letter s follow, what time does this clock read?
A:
5h13
